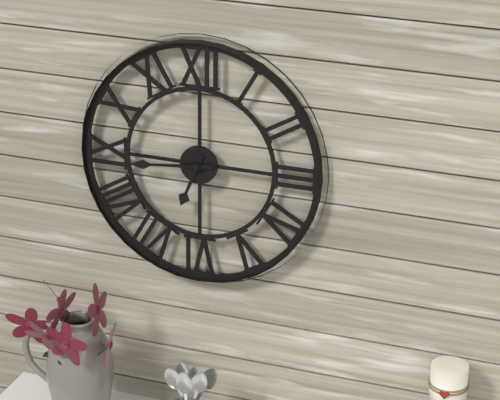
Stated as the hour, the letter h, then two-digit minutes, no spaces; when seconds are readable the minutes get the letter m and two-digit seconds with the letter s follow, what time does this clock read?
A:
6h44
